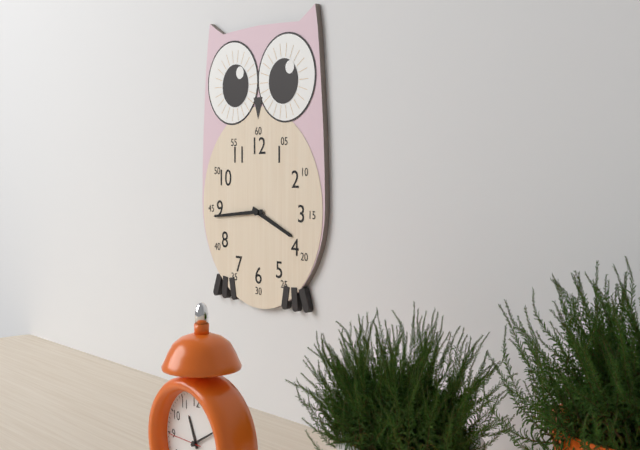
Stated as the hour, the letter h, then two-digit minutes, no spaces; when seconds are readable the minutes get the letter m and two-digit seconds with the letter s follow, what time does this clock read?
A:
3h44
